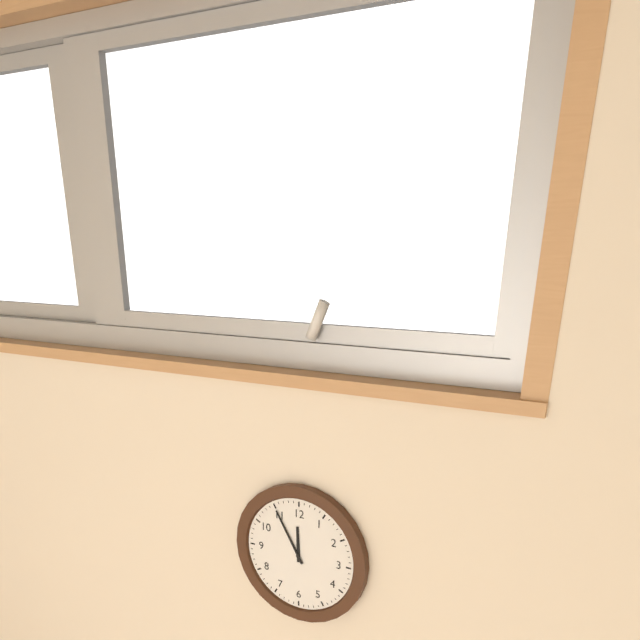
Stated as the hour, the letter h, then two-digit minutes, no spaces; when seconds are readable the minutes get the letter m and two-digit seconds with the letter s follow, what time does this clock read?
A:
11h55
